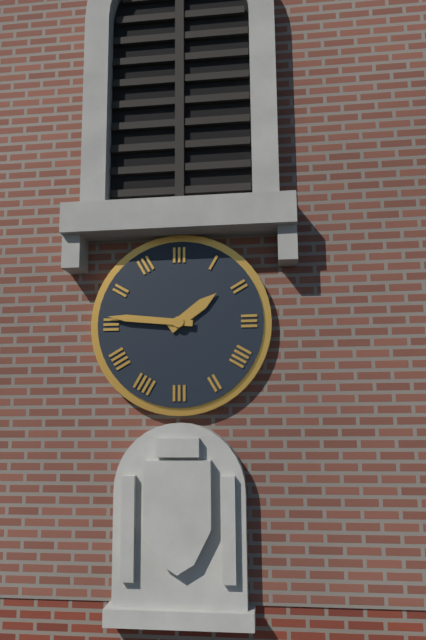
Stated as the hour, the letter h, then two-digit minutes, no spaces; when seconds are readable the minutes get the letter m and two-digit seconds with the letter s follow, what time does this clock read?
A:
1h46
